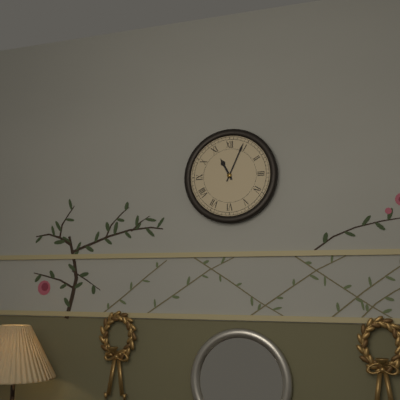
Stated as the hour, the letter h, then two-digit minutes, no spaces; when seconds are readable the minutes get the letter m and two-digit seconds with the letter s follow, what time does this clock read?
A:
11h04
